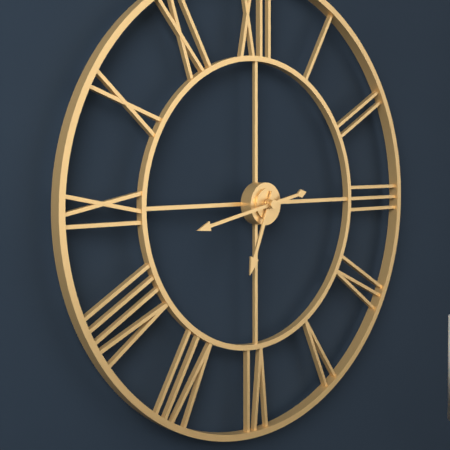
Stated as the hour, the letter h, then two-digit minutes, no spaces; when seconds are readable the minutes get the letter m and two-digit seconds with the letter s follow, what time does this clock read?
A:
6h43
